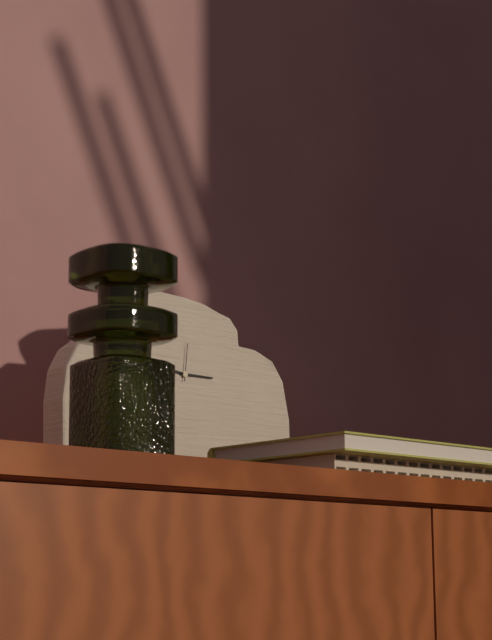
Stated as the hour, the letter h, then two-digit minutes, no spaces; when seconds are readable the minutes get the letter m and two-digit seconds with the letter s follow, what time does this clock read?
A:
9h15
